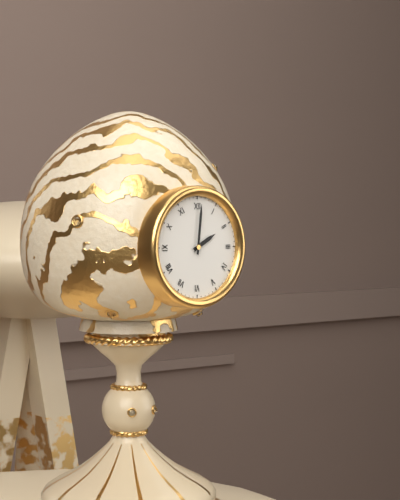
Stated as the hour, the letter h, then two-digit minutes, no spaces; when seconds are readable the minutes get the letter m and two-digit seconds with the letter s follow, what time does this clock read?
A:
2h01
